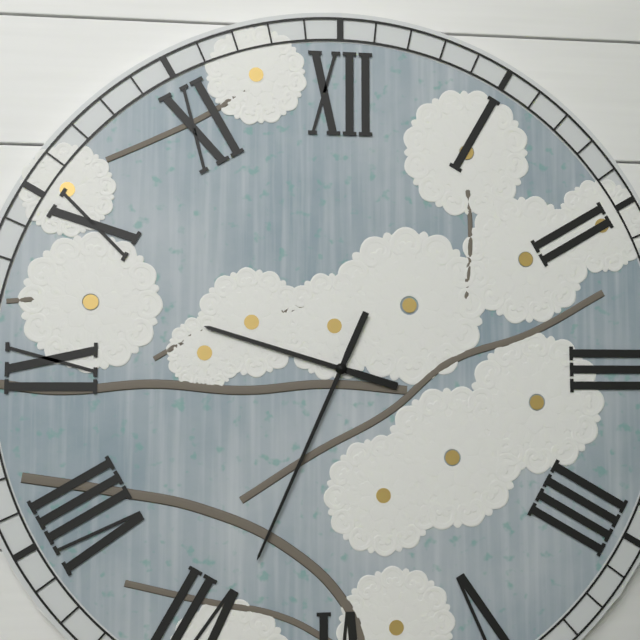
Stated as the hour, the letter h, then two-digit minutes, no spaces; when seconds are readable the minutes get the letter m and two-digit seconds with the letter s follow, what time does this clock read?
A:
9h34
